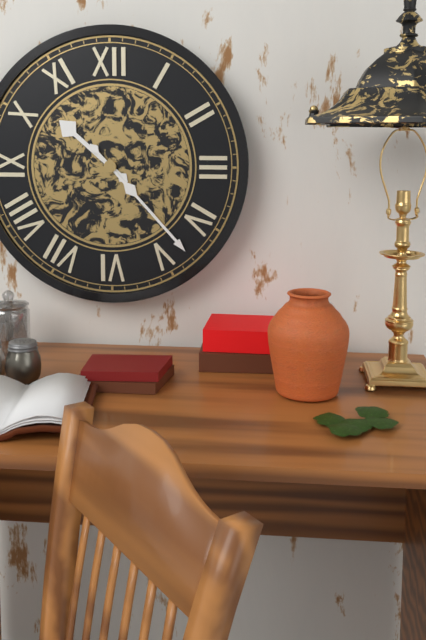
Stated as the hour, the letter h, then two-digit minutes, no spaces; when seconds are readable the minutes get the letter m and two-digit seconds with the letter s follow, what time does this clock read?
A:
10h23
